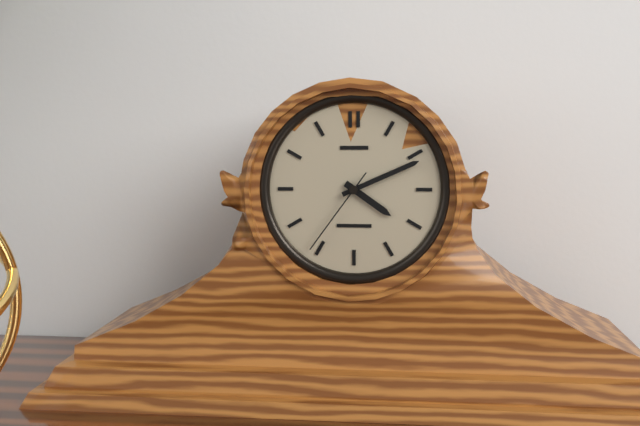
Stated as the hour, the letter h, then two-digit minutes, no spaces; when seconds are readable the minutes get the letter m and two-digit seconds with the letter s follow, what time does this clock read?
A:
4h11m36s
